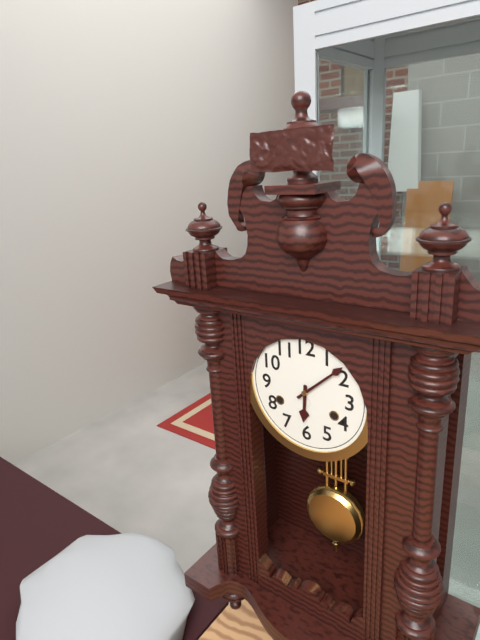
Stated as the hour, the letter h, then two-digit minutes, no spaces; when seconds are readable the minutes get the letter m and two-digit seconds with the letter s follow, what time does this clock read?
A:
6h08
